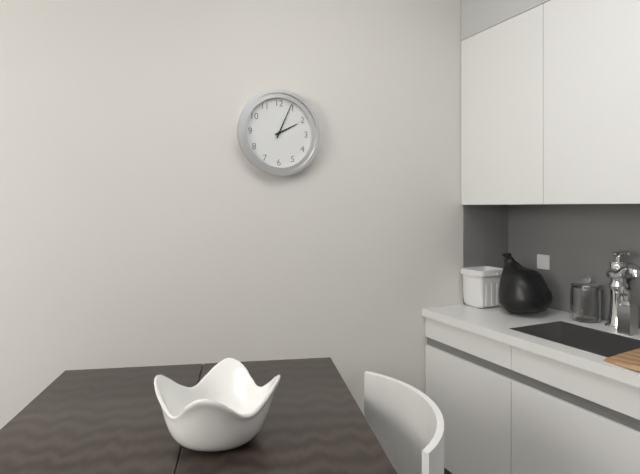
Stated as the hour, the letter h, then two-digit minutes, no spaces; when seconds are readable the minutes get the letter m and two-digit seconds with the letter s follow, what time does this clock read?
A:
2h04
